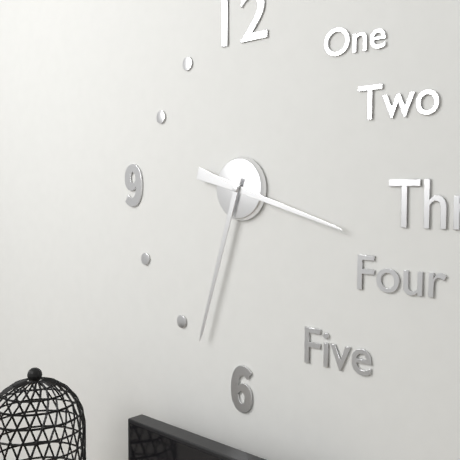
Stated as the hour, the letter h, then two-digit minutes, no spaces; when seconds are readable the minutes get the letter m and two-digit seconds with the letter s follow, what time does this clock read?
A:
3h33
